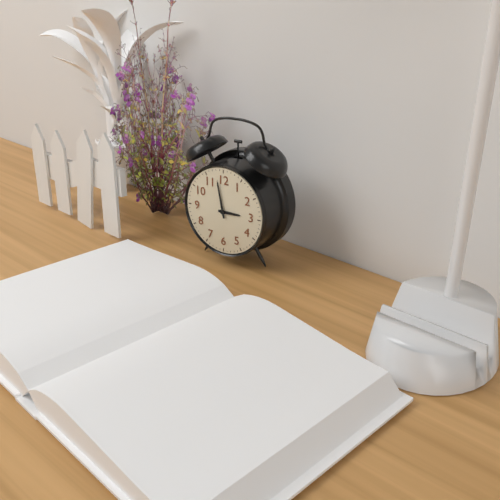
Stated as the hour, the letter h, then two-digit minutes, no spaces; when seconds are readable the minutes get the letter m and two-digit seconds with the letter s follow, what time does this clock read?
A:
2h58
